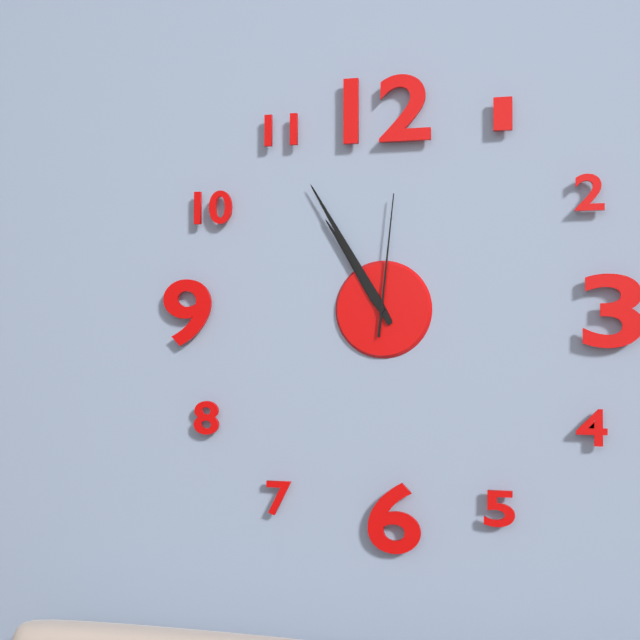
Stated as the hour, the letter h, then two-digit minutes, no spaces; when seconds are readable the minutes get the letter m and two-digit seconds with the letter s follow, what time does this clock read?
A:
10h55m01s
